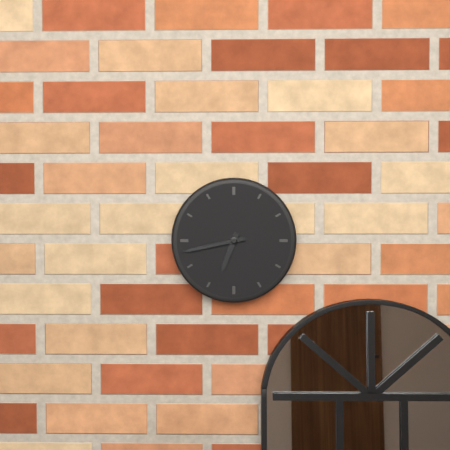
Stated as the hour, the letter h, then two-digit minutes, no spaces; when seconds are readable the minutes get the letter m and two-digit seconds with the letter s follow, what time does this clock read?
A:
6h43
